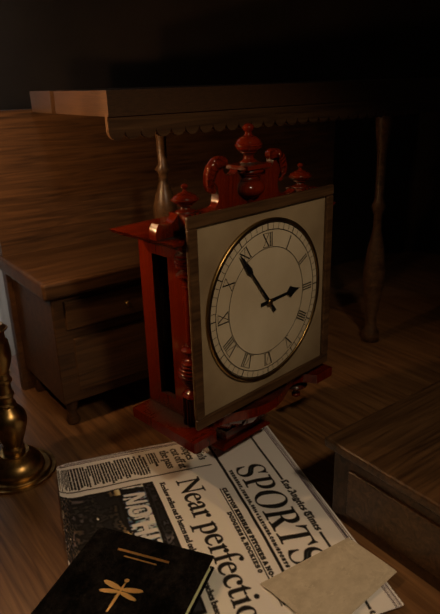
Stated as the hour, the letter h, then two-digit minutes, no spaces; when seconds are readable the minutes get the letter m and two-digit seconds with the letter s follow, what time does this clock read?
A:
2h54
